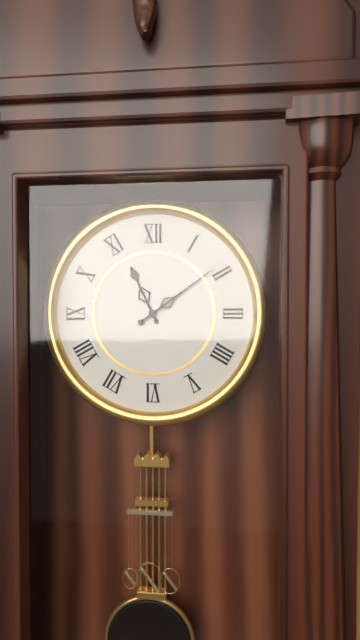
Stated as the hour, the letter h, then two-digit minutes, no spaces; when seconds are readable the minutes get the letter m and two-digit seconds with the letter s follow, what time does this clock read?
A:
11h09
